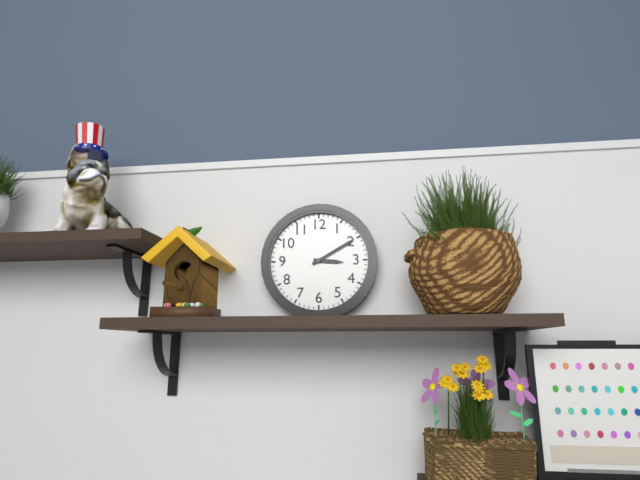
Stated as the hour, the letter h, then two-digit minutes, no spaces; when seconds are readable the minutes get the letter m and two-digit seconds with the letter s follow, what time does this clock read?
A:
3h10
